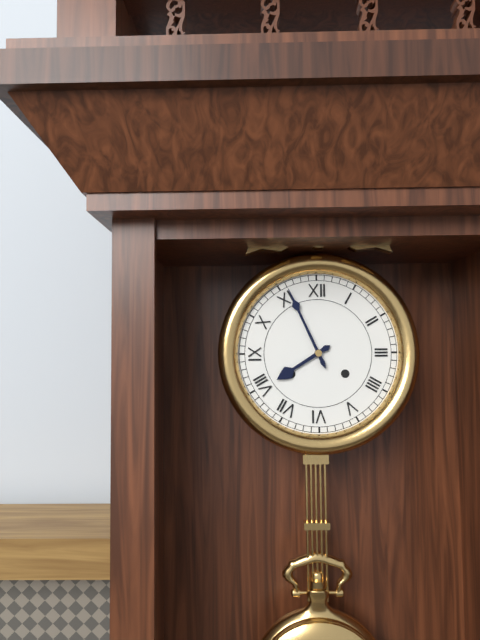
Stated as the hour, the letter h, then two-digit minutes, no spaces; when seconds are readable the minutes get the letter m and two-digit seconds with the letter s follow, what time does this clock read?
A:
7h56
